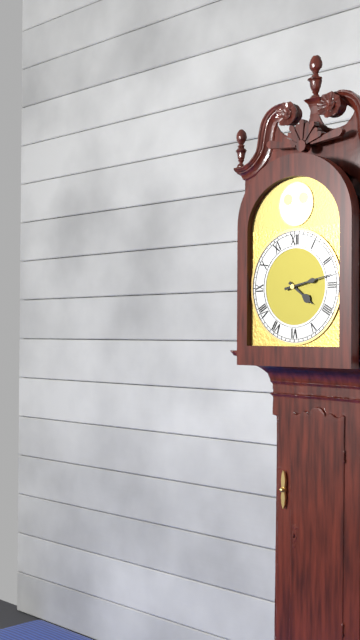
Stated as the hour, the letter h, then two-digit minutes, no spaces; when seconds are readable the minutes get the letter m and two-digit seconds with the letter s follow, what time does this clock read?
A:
4h13
